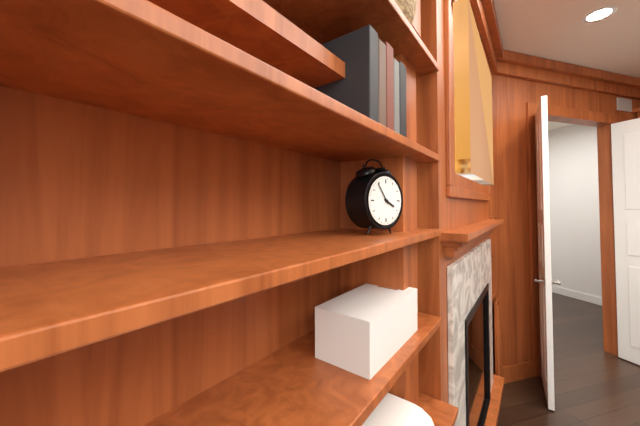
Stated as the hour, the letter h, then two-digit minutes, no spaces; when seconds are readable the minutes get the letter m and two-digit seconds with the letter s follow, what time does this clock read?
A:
3h54
